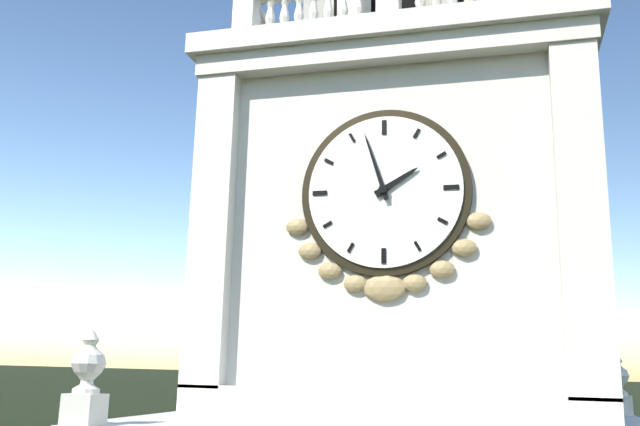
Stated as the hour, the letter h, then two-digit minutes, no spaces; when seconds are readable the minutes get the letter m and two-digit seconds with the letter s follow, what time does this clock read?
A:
1h57
